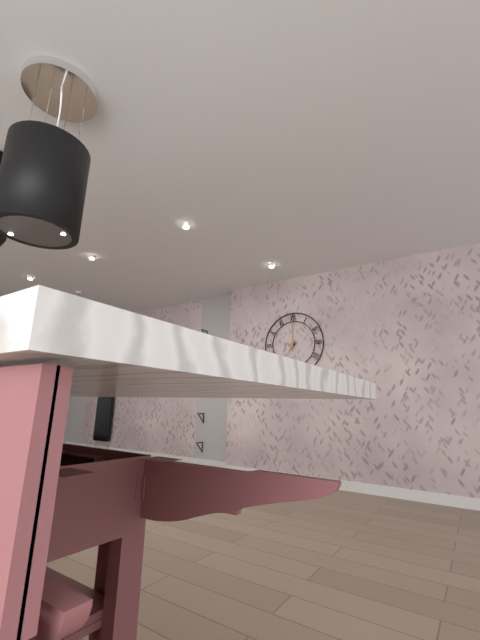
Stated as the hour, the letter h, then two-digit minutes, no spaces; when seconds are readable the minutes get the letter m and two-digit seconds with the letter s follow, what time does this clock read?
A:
7h00
